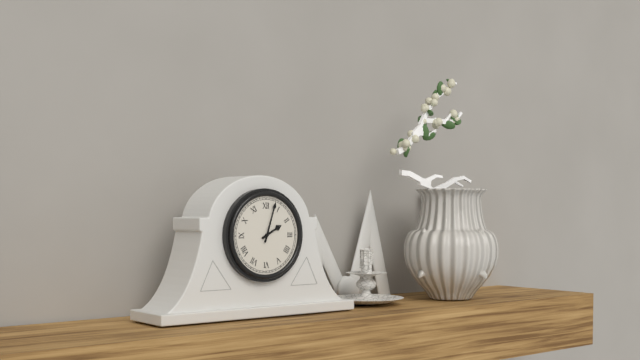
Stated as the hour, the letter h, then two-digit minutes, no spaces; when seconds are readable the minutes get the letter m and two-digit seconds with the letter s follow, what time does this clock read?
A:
2h03
